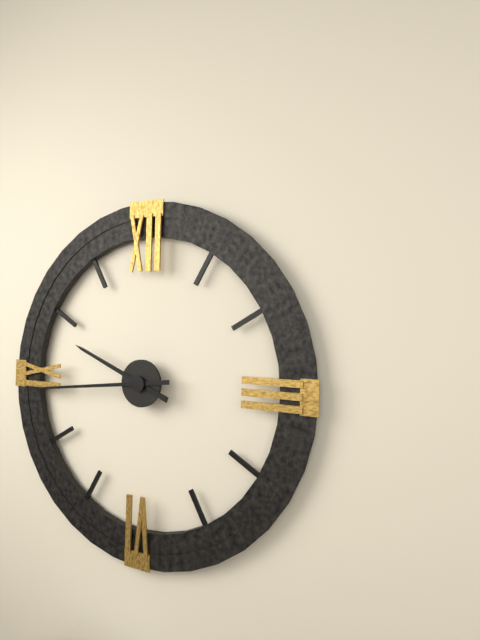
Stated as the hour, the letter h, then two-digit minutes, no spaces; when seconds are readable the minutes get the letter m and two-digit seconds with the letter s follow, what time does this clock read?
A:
9h44
